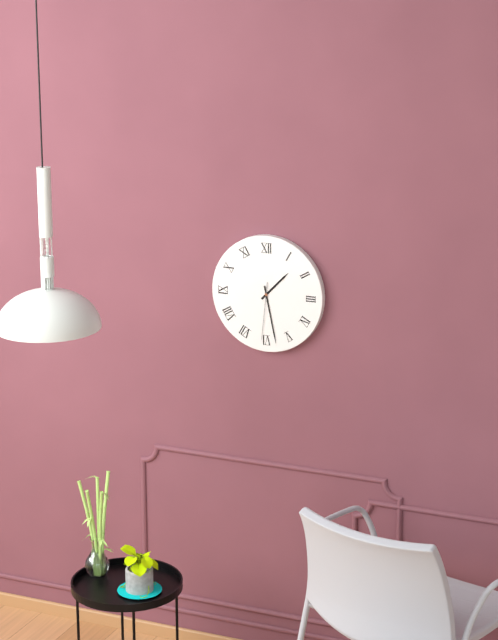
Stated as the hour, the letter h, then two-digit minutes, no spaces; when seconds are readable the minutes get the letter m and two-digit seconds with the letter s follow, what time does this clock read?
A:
1h28m31s
